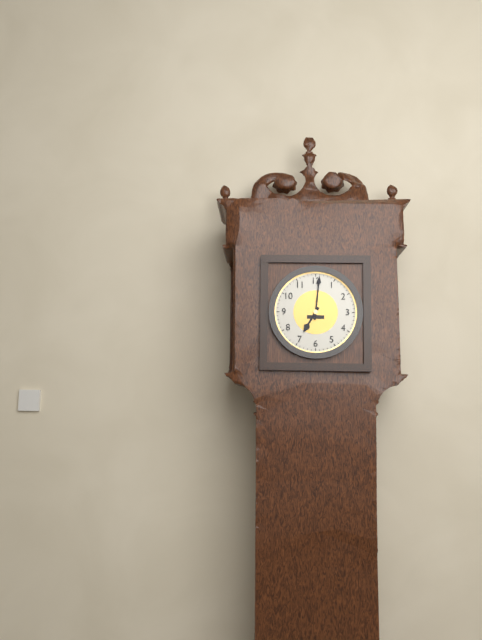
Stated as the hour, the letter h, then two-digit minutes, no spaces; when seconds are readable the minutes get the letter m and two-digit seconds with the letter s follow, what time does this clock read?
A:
7h01
